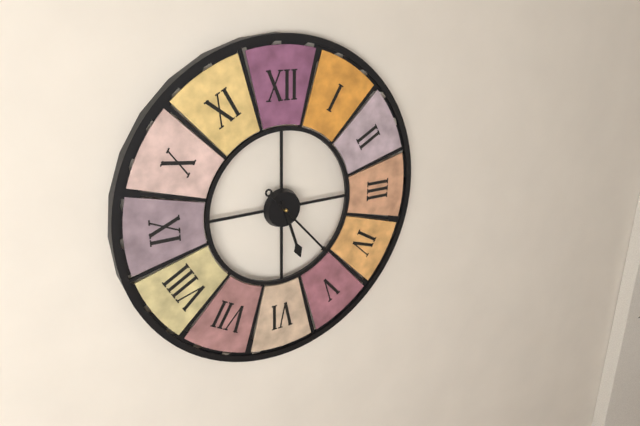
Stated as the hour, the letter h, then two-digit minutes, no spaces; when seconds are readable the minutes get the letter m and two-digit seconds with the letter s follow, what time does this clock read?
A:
5h23
